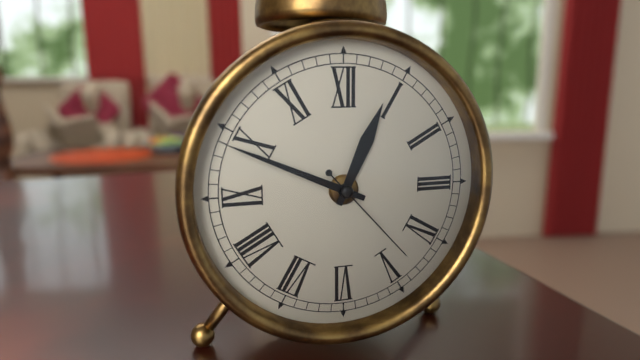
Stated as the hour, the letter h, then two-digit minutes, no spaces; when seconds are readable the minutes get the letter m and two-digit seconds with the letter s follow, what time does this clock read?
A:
12h49m23s
